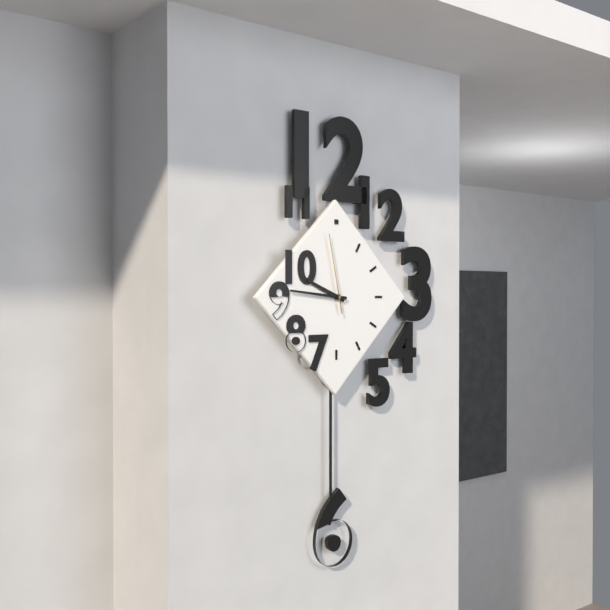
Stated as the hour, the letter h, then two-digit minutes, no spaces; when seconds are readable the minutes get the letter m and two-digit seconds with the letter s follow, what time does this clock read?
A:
9h46m58s
